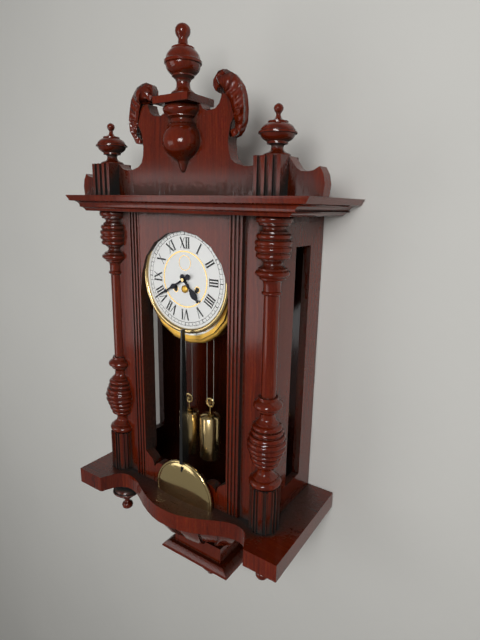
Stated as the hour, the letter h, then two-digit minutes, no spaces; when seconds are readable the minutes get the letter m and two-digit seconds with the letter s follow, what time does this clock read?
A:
4h40
